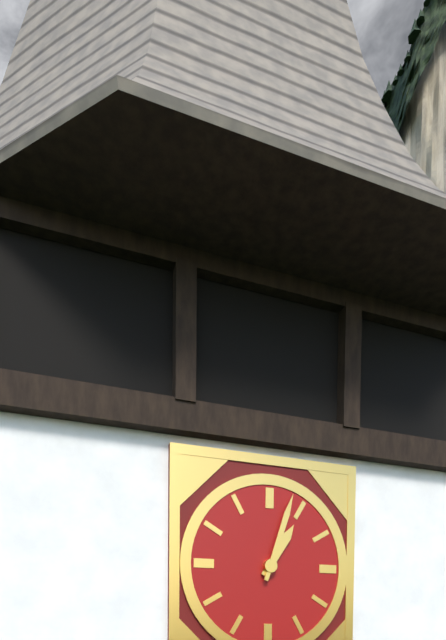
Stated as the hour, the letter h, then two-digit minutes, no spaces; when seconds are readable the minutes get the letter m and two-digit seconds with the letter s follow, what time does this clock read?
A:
1h03
